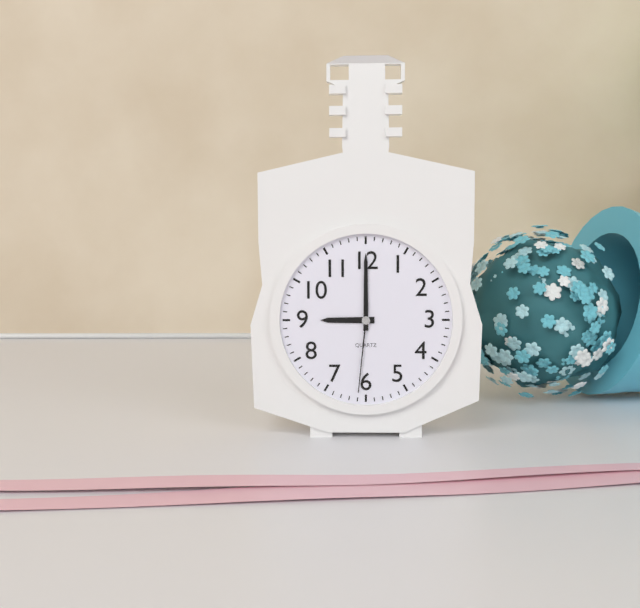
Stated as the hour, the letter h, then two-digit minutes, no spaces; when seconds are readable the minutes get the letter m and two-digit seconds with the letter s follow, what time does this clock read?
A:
9h00m31s
